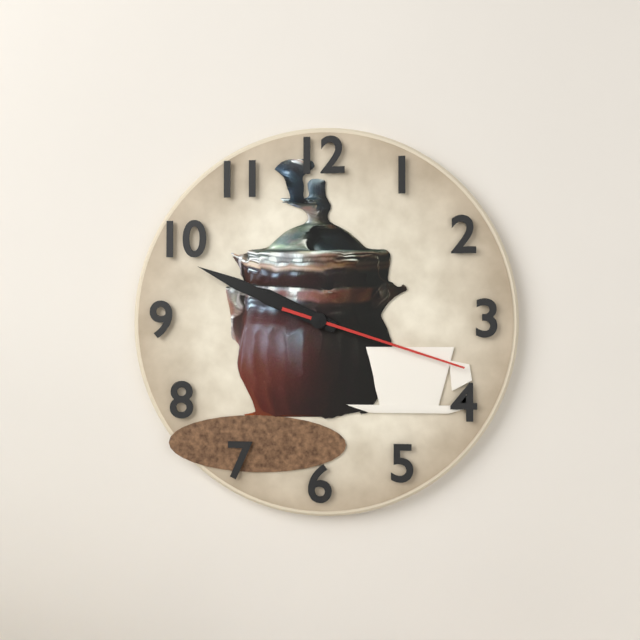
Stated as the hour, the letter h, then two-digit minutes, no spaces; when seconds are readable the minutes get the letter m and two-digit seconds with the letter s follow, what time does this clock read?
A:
9h49m18s
